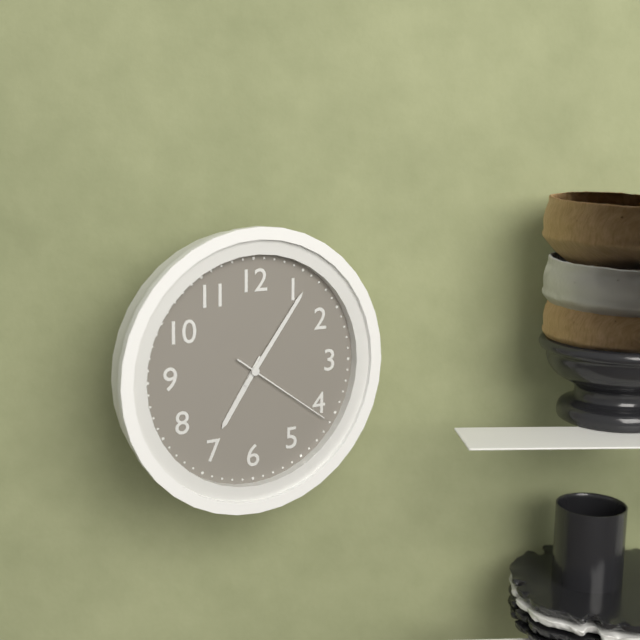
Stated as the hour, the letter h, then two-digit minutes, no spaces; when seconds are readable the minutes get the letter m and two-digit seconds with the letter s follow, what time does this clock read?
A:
7h06m21s
